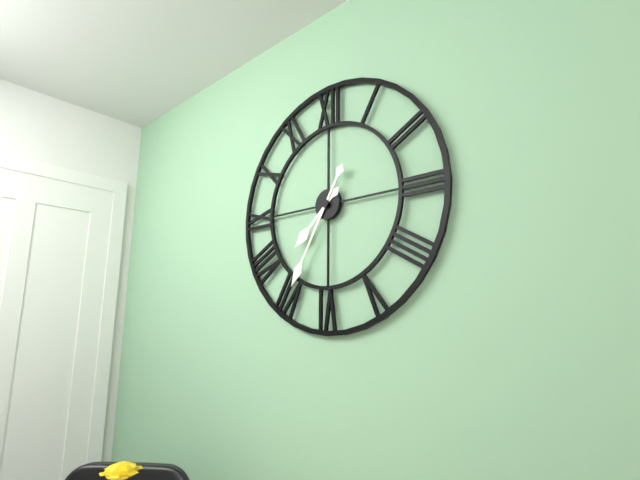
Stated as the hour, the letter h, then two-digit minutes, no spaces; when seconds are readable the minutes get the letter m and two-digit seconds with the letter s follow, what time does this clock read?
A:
7h35
